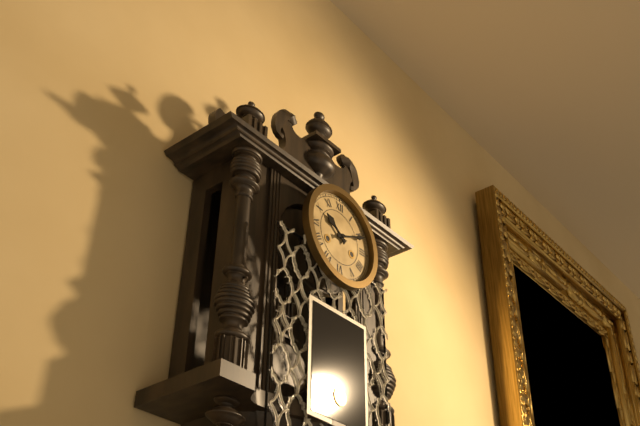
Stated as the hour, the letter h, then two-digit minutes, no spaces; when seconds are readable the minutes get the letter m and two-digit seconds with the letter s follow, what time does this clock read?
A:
10h11
